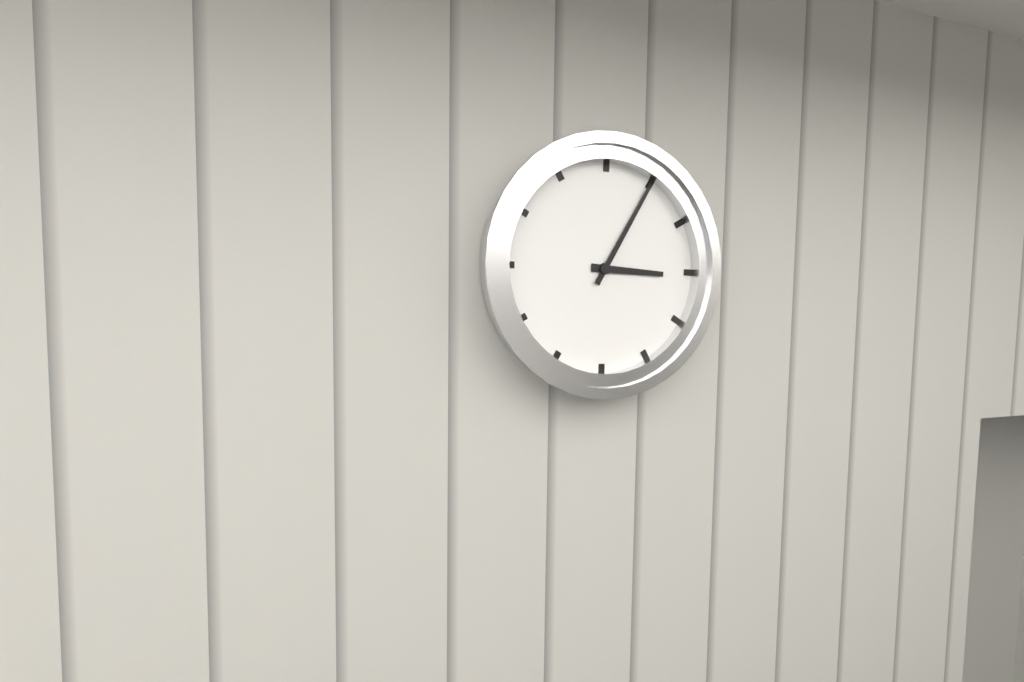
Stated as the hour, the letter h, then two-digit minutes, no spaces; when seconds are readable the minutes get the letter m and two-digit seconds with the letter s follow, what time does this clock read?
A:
3h05
